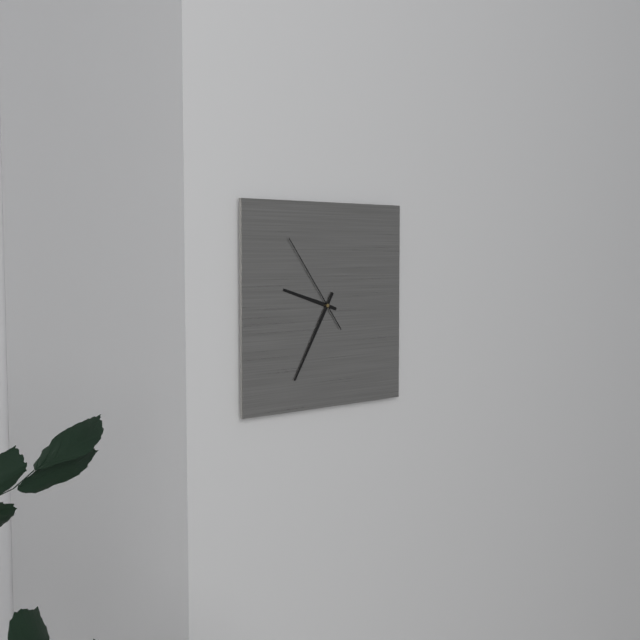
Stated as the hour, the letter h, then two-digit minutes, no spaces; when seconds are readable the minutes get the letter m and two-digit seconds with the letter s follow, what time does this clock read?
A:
9h35m54s
